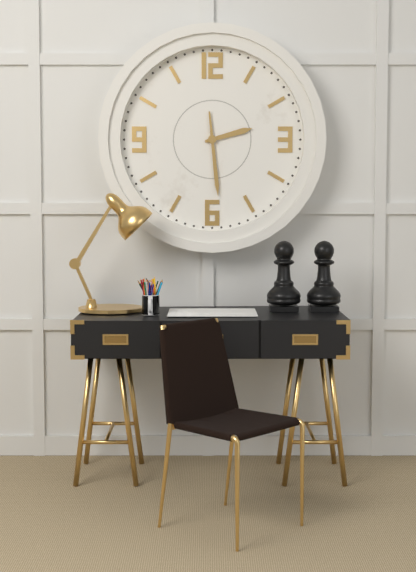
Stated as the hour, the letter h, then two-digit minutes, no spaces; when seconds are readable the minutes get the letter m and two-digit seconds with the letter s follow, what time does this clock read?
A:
2h29
